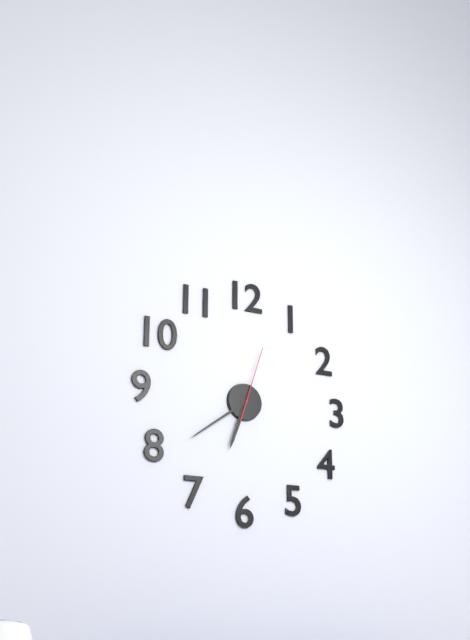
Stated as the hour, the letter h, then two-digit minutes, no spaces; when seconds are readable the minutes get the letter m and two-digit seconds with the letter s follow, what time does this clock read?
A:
6h39m03s
